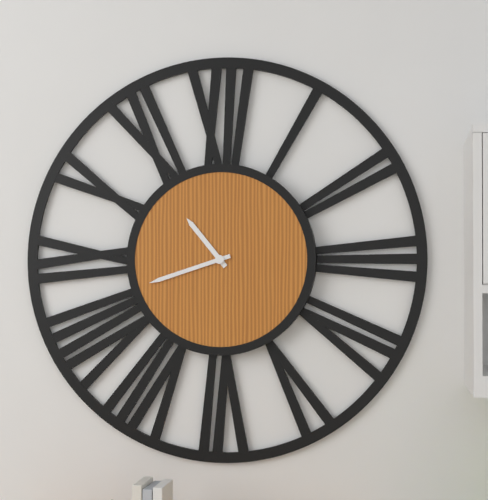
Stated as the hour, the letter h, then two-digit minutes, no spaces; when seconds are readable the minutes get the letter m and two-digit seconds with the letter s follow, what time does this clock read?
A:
10h42
